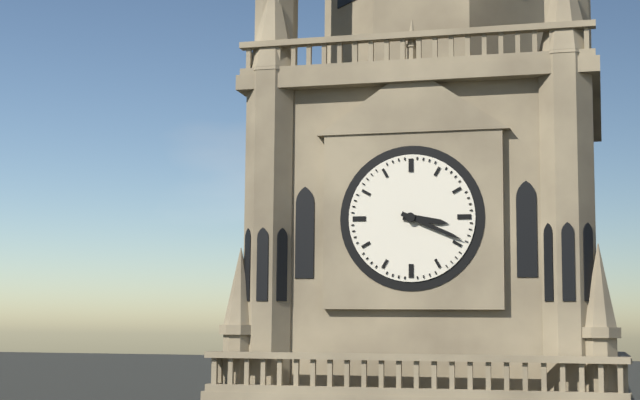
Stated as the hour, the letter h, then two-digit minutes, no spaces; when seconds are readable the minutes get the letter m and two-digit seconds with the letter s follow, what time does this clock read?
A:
3h19
